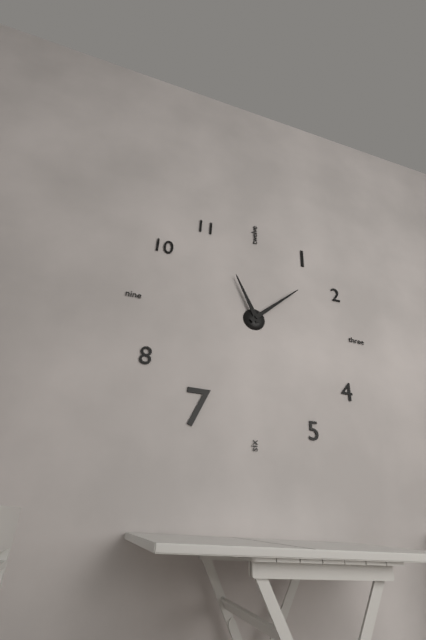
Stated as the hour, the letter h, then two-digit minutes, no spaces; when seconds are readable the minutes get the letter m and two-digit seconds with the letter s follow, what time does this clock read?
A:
11h08
